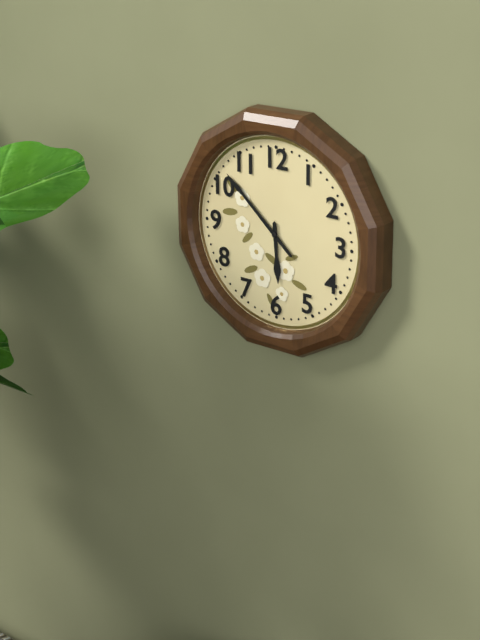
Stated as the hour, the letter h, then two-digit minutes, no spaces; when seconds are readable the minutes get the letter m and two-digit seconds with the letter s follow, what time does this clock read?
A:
5h52
